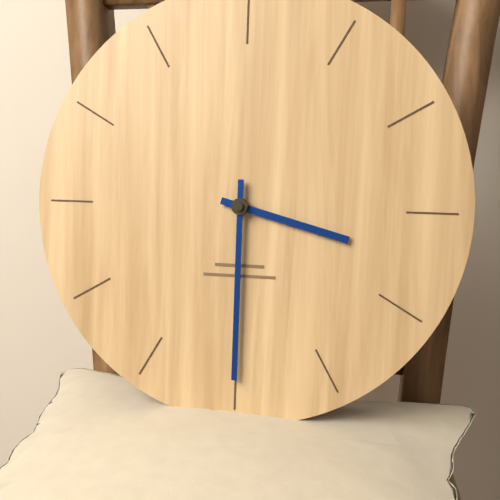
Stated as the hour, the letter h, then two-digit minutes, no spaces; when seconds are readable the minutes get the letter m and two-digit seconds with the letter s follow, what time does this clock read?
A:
3h30
